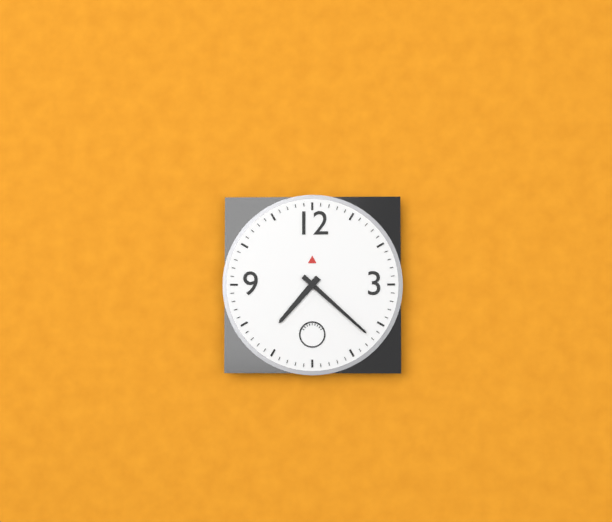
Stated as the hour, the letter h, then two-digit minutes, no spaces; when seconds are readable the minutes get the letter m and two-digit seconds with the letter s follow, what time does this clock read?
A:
7h22
